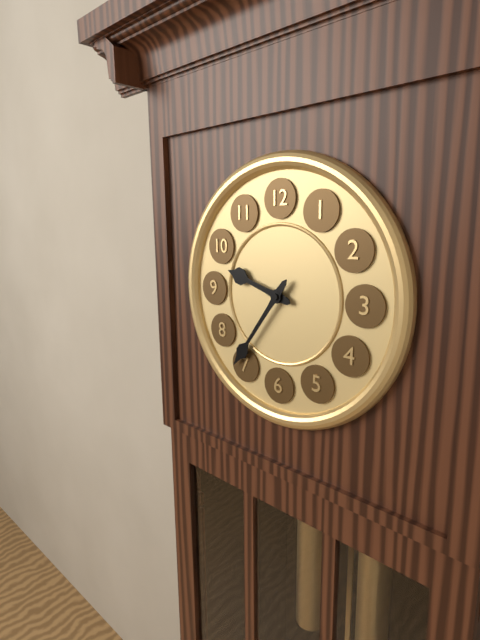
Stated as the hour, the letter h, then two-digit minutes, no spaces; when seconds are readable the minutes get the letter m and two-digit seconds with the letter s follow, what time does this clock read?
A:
9h36
